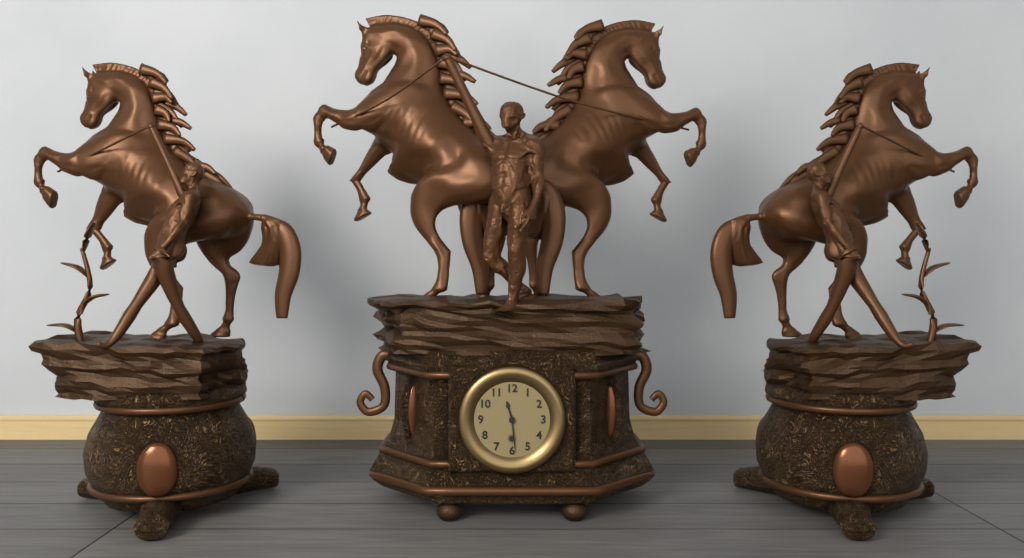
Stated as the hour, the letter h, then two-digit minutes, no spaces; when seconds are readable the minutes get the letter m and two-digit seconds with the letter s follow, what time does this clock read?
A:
11h29
